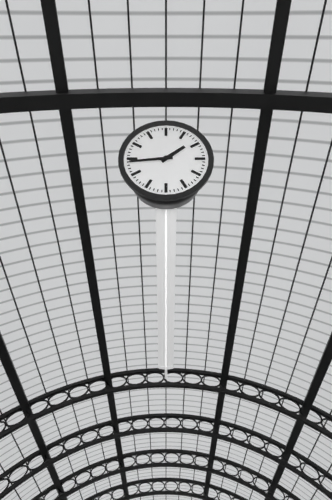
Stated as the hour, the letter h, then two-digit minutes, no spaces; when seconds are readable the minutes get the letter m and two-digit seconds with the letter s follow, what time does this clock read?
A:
1h44
